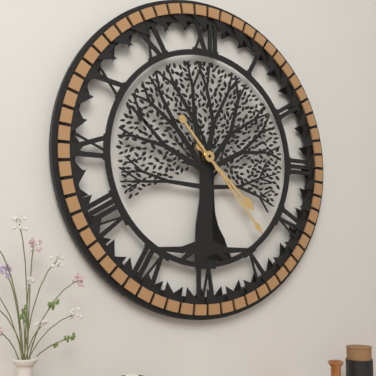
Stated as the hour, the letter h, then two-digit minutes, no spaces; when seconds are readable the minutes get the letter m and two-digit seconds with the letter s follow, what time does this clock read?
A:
4h23
